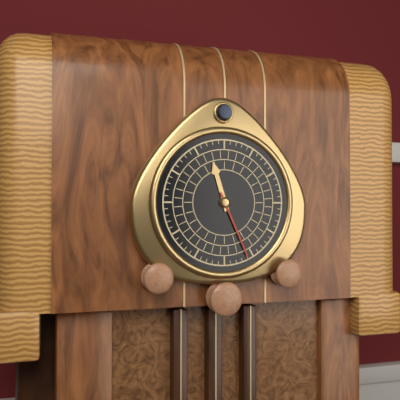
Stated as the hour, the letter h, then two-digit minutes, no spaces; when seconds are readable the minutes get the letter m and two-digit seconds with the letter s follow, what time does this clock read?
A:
11h26
